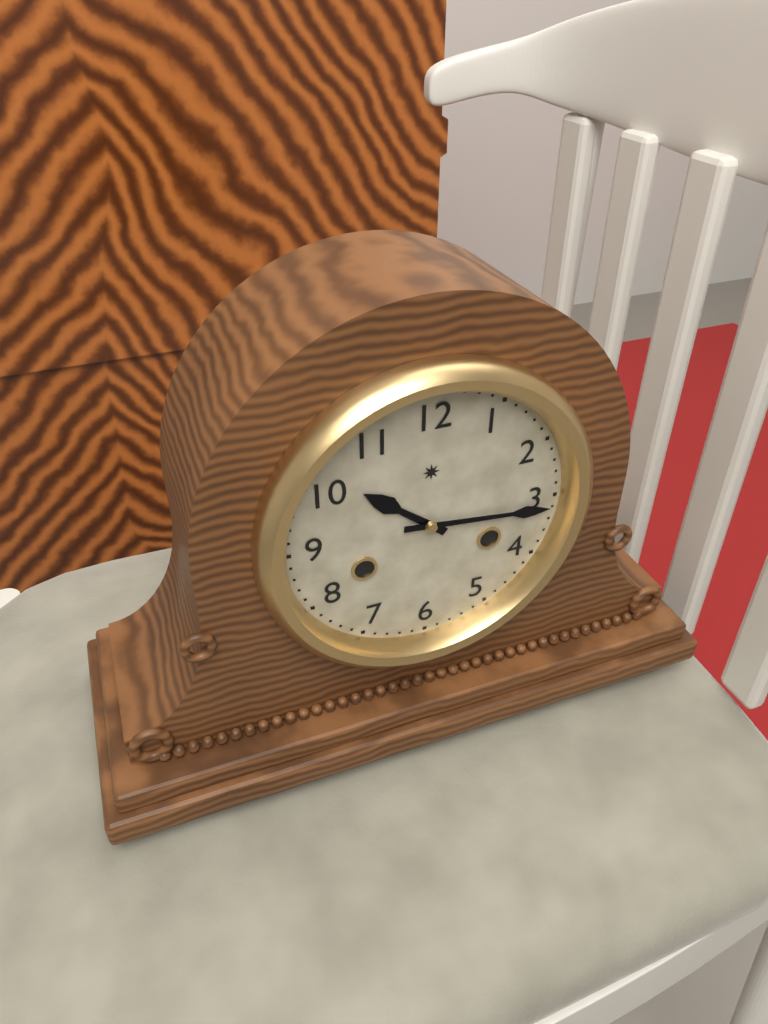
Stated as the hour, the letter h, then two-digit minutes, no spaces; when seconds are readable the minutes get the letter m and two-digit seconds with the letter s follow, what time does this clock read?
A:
10h16
